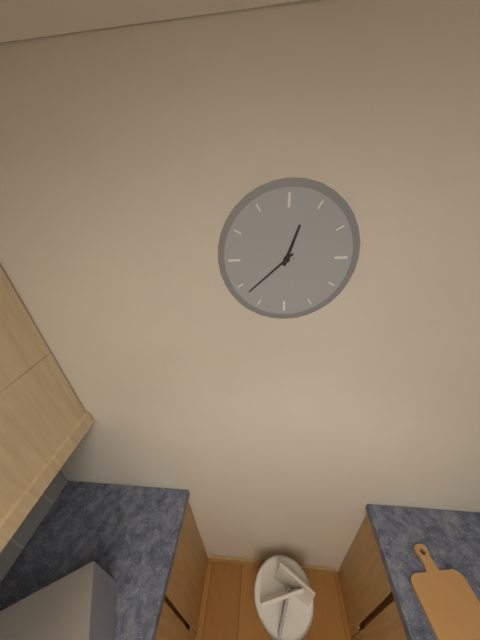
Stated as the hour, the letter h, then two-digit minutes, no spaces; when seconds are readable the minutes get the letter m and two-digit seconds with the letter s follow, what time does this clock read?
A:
12h38
